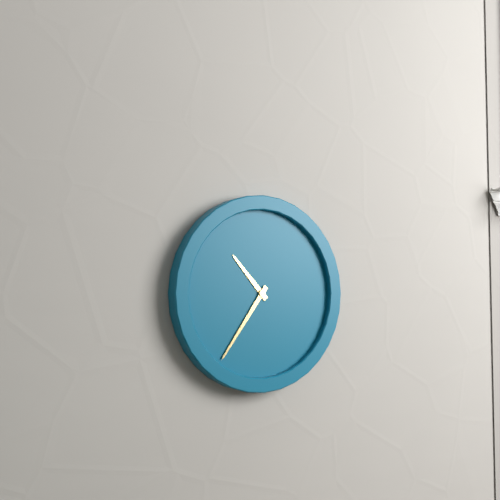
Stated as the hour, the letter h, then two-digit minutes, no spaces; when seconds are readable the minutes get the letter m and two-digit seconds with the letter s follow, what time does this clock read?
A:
10h36
